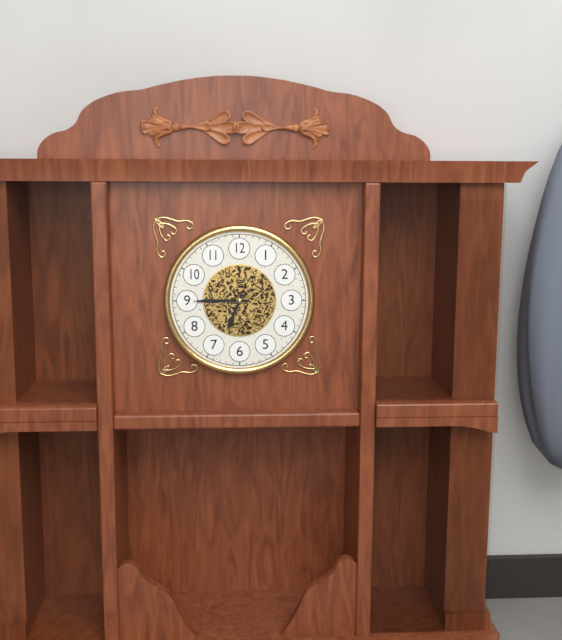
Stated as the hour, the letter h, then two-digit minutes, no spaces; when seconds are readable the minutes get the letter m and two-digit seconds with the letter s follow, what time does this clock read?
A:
6h45
